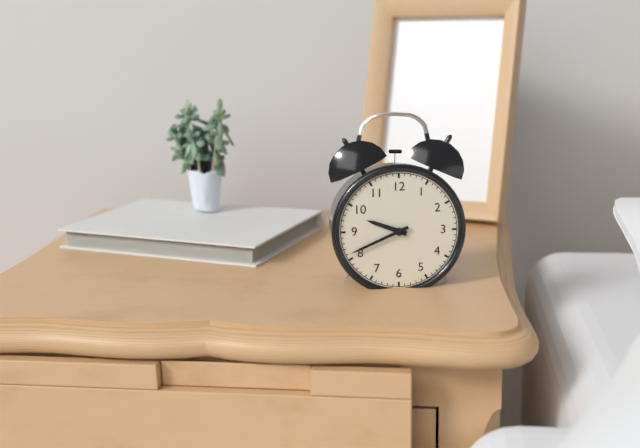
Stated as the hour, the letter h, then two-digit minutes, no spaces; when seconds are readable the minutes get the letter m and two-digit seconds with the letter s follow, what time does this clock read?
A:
9h41
